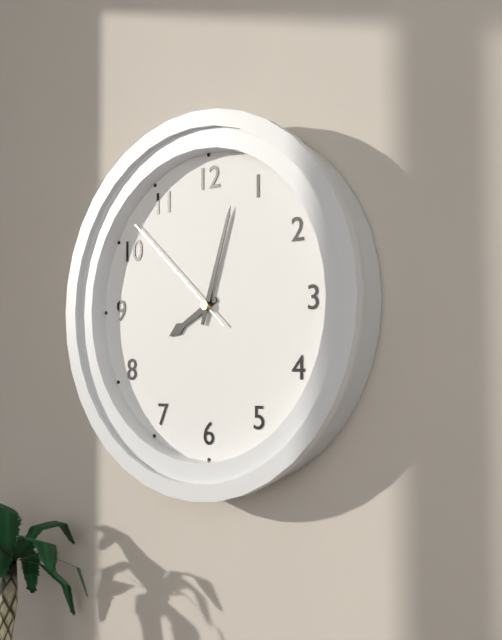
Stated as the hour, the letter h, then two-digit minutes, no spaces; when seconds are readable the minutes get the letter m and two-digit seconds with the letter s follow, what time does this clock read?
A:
8h03m52s
